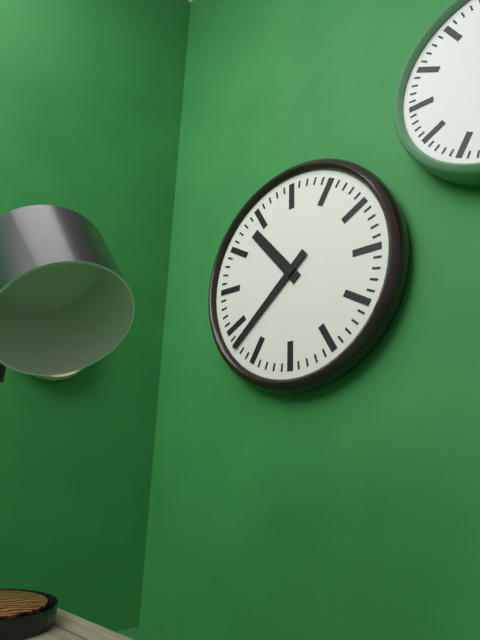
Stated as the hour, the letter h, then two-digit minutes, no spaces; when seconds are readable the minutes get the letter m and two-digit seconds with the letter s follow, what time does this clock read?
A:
10h38
